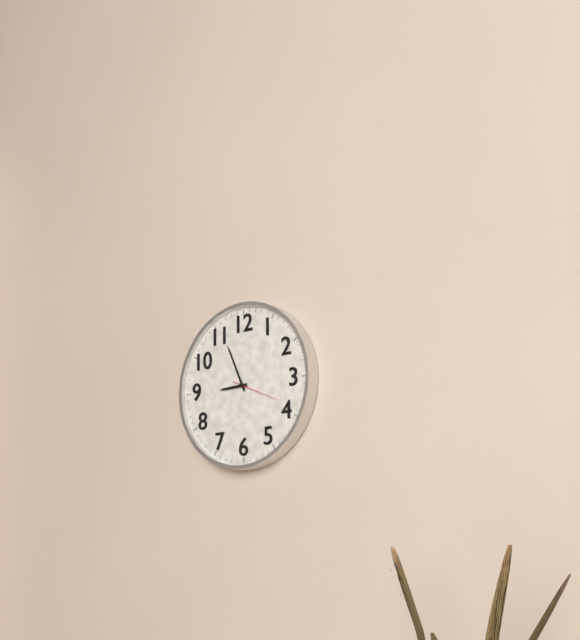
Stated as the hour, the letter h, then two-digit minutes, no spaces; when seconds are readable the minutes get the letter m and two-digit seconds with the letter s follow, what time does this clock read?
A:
8h56m19s
